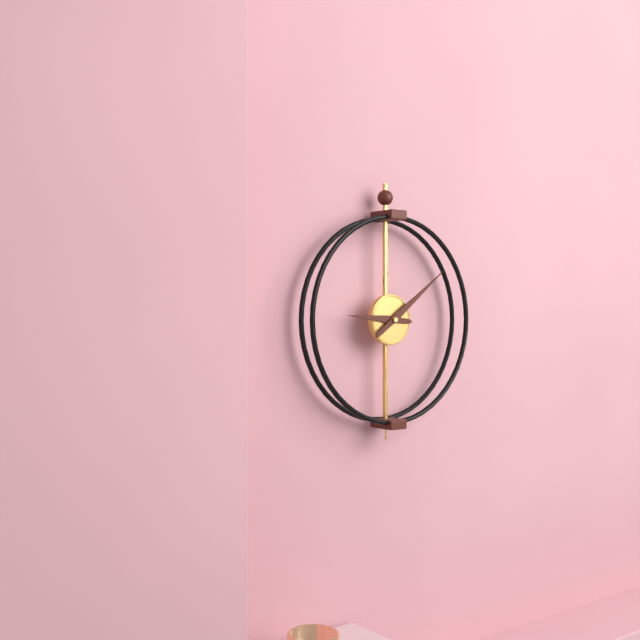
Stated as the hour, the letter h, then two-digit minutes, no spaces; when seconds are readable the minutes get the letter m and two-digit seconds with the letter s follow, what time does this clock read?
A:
9h09
